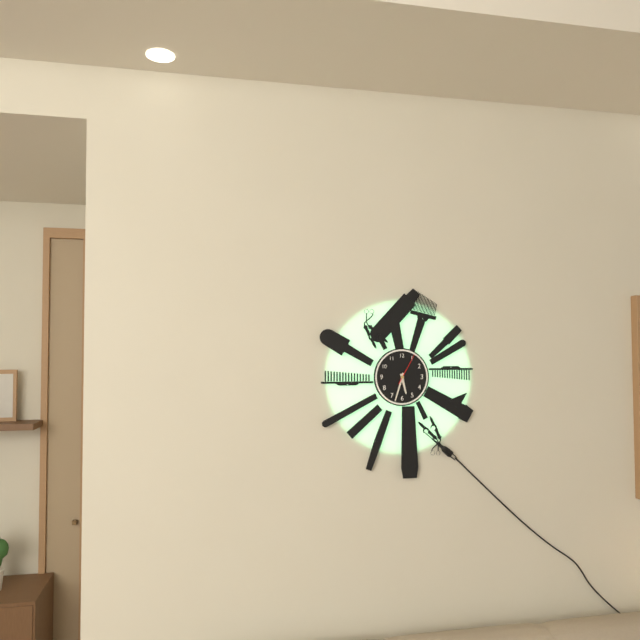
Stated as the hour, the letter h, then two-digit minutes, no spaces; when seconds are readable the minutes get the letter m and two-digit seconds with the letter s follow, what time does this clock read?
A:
5h33
